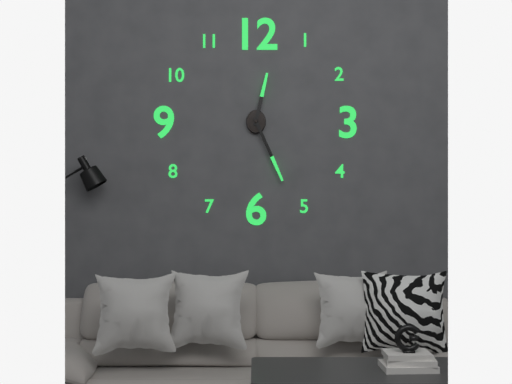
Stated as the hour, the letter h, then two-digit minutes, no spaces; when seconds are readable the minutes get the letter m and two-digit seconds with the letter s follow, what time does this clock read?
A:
12h26
